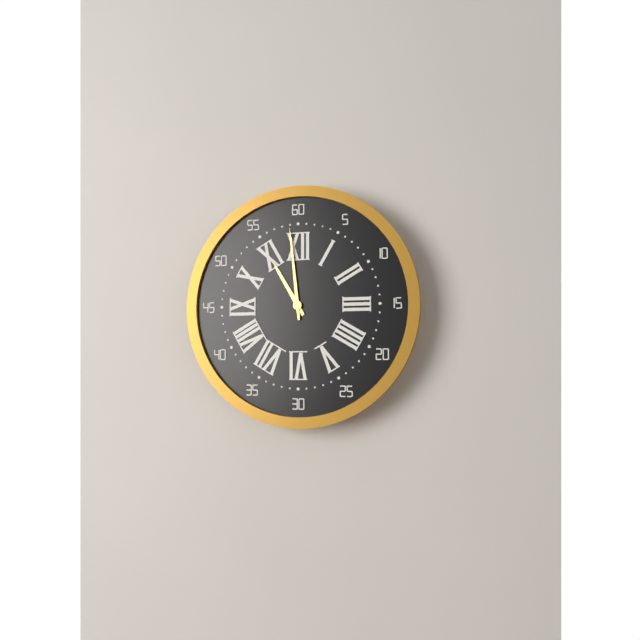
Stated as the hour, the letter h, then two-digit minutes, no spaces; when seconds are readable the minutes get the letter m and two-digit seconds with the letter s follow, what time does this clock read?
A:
10h59
